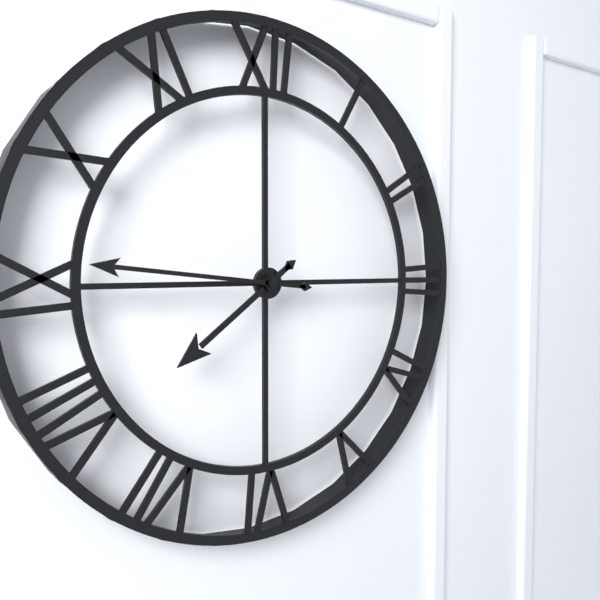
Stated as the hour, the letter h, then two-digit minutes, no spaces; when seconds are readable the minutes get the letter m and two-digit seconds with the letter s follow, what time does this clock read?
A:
7h46
